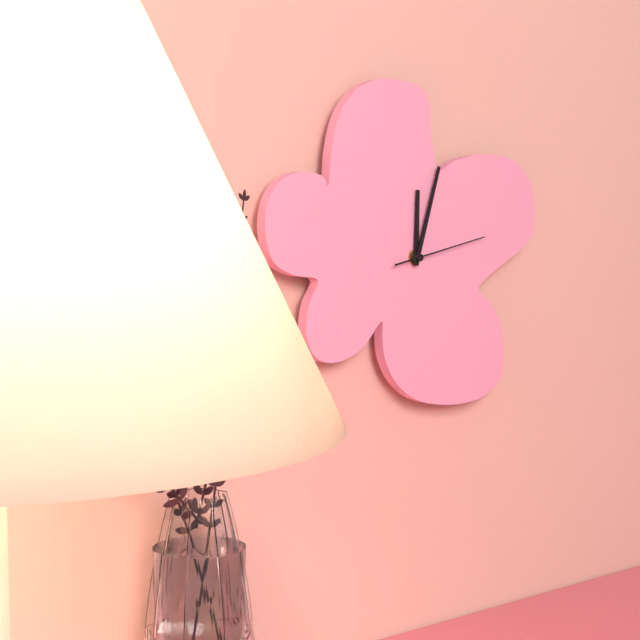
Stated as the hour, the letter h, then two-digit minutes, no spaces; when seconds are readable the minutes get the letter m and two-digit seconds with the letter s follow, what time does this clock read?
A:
12h03m13s
